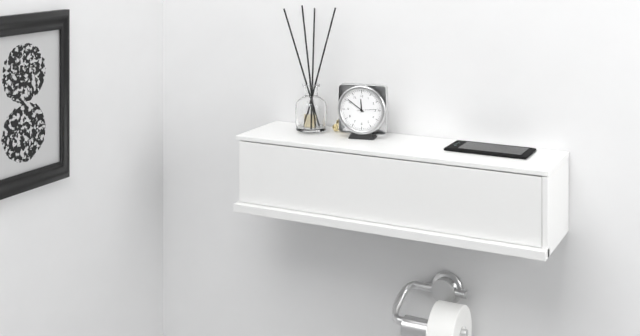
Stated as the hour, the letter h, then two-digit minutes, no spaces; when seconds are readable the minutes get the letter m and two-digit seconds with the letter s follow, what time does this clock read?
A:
11h51
